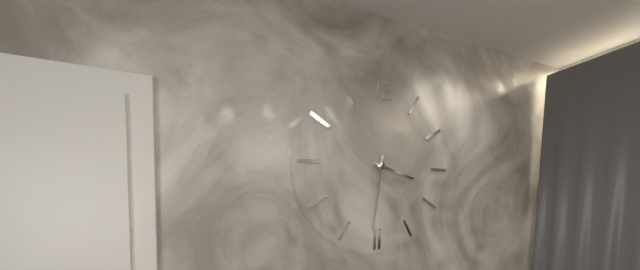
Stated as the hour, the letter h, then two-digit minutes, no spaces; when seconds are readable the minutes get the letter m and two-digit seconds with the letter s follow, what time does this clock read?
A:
3h31
